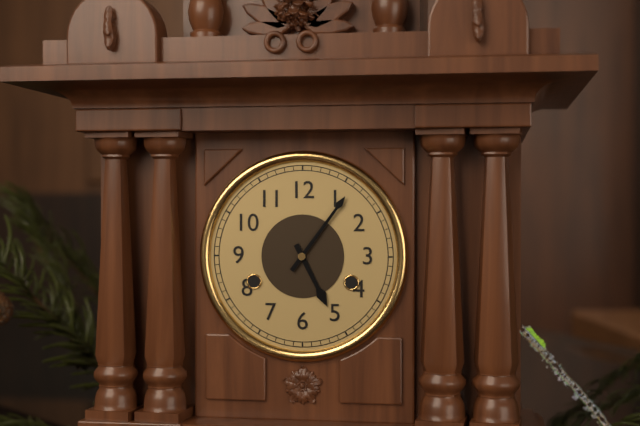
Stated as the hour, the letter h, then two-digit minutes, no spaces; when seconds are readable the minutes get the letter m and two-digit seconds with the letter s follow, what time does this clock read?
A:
5h06
